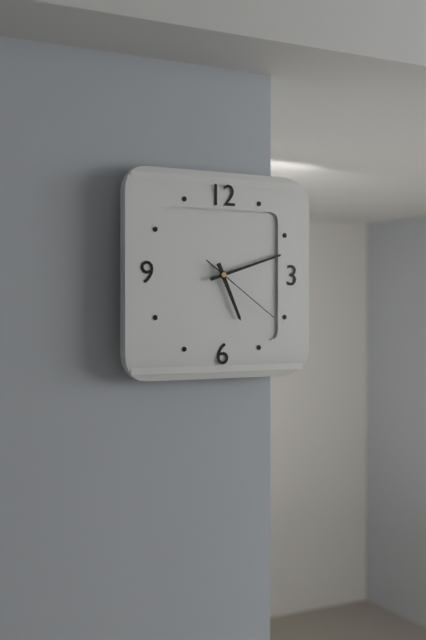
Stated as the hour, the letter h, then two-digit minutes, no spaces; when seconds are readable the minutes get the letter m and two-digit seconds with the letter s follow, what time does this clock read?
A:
5h12m21s
